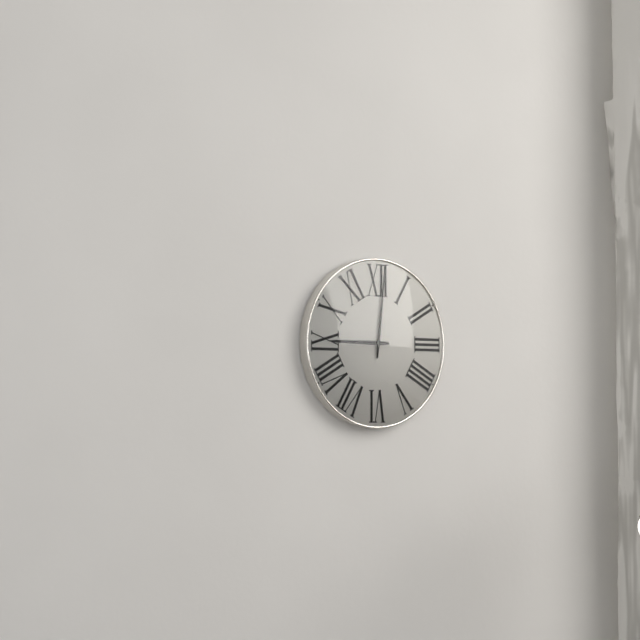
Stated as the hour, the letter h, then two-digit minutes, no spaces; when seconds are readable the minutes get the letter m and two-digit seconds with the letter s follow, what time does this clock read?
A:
9h01
